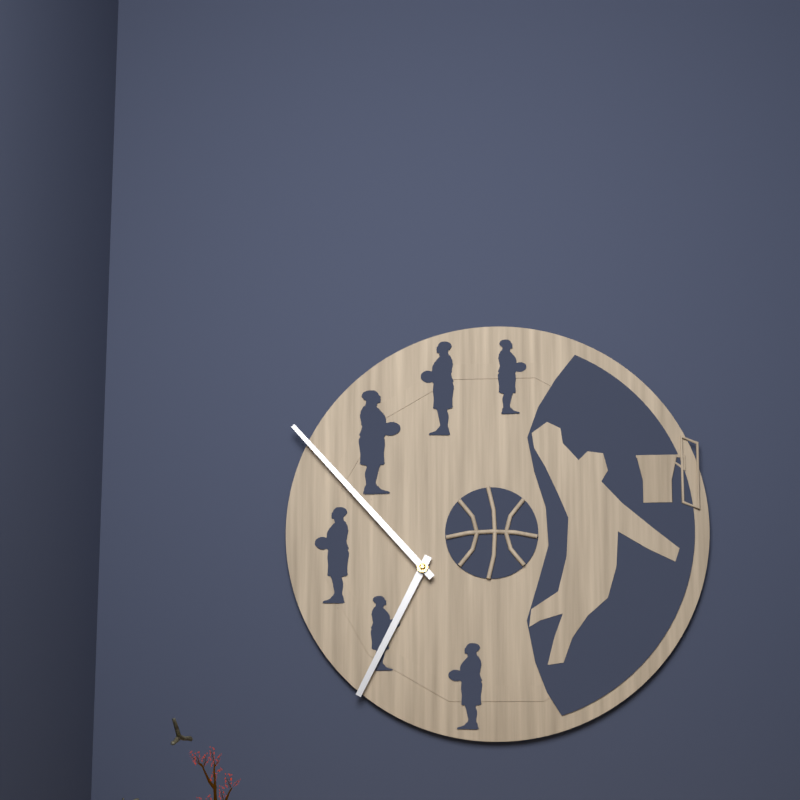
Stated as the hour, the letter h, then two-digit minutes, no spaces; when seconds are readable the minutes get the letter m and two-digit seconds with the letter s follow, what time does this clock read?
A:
6h53
